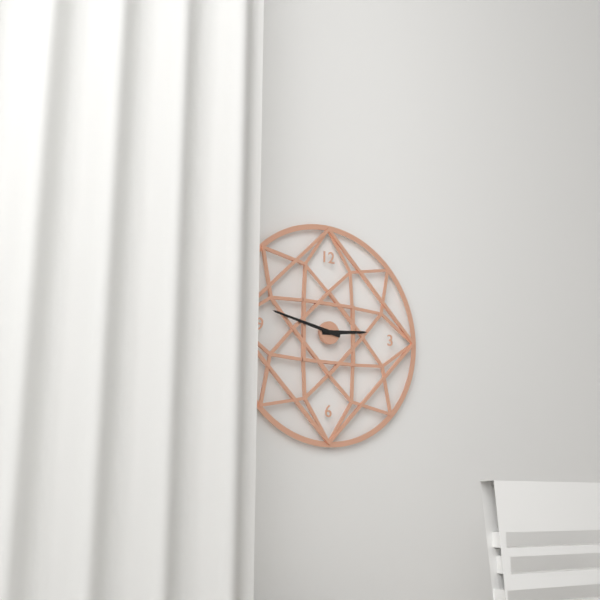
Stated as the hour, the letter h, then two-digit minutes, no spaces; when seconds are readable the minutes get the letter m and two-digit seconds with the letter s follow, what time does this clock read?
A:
2h47
